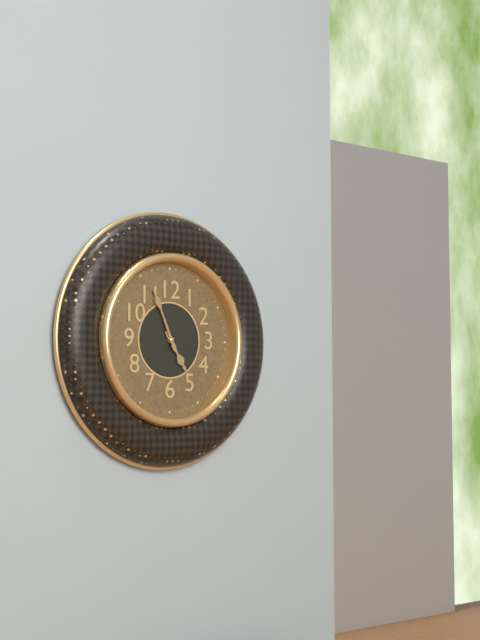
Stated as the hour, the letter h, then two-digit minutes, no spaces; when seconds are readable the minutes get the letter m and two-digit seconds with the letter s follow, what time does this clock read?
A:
4h56
